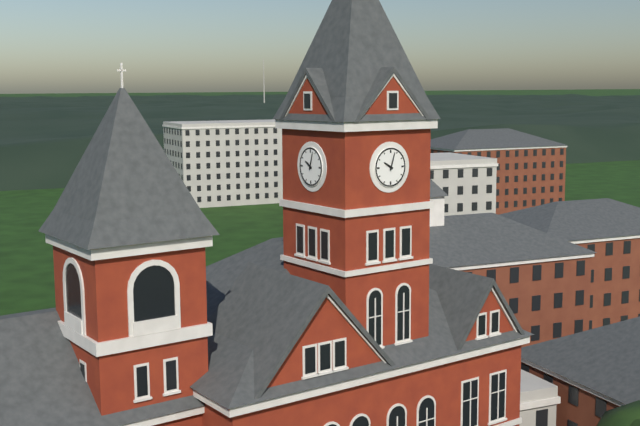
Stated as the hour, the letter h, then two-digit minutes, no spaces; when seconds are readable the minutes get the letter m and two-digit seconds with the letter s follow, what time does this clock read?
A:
10h03
